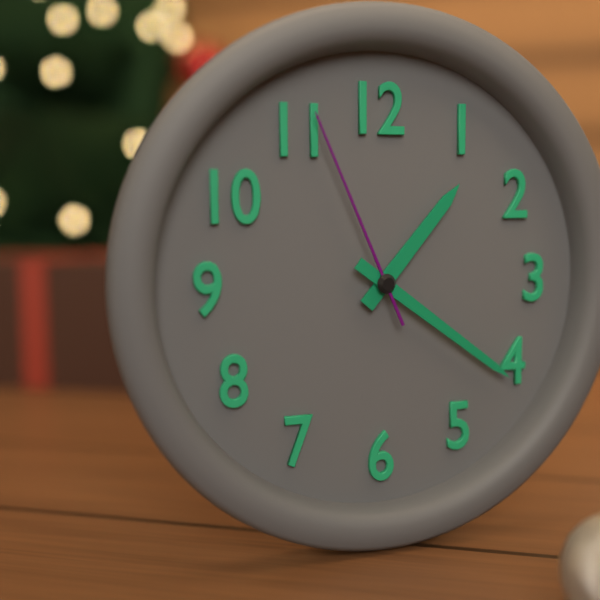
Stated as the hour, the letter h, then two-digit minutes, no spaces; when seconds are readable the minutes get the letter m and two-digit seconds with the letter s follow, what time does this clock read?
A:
1h21m56s
